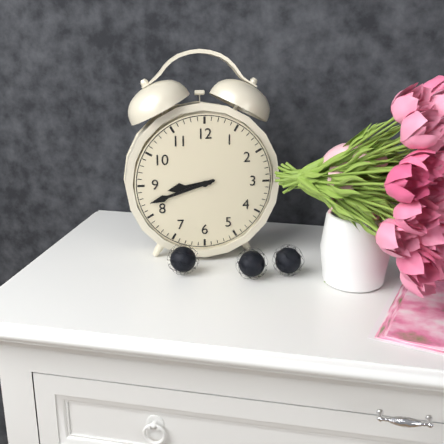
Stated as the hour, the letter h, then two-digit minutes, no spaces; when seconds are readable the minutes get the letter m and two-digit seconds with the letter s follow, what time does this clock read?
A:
8h42
